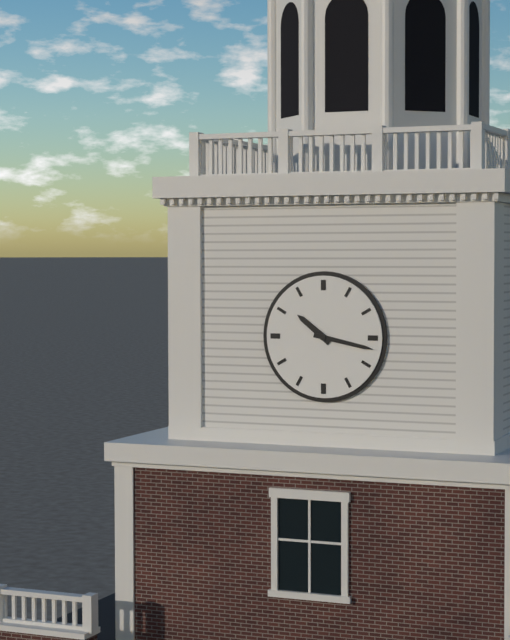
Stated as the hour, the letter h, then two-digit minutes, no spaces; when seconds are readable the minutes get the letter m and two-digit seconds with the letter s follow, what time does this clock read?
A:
10h17
